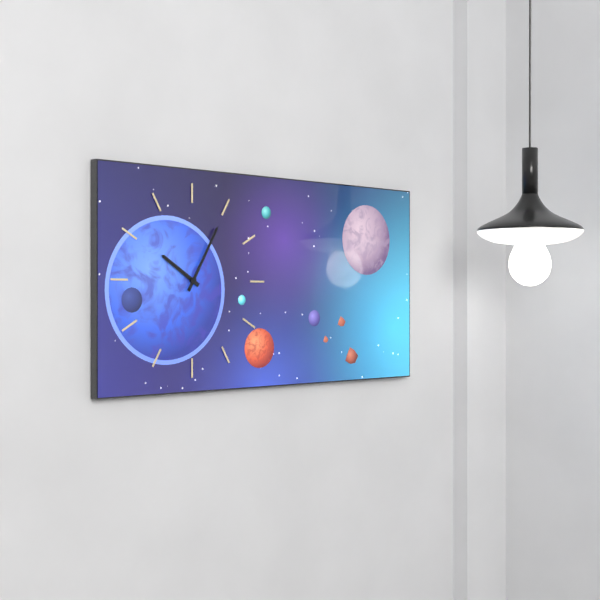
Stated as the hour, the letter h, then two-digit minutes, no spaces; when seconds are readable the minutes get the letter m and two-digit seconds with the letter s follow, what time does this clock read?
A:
10h05
